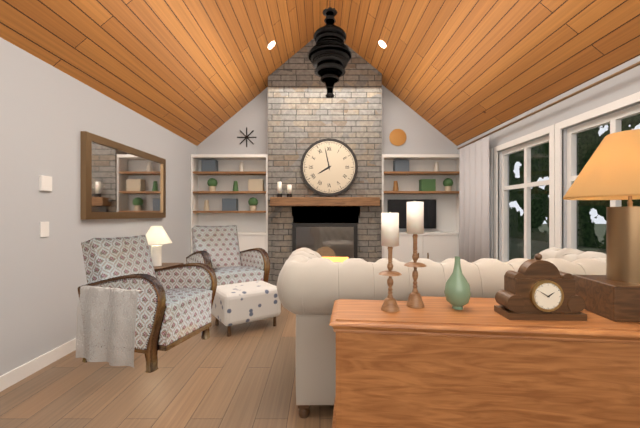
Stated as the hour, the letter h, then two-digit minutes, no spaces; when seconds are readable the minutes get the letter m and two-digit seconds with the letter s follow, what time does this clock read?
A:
7h58
